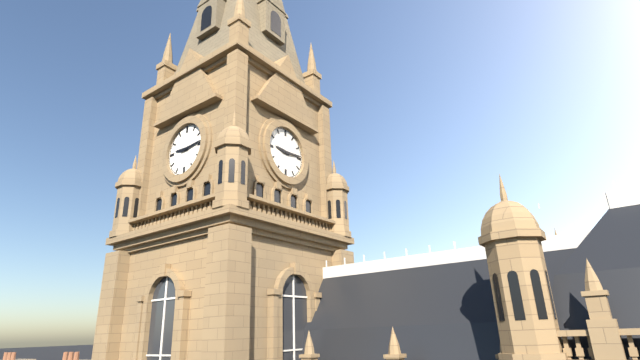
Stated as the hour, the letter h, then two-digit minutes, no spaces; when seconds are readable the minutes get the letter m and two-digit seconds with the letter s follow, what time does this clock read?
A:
9h14
